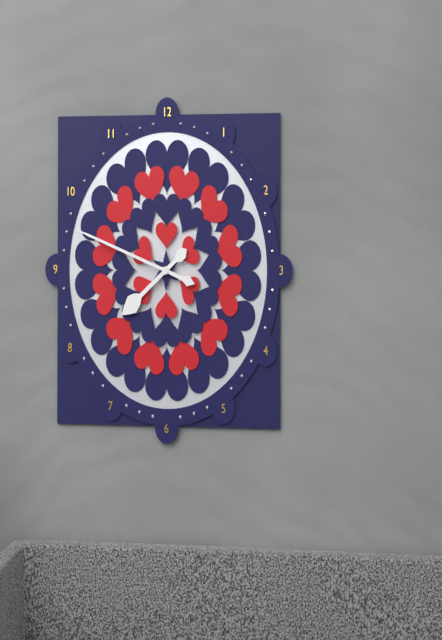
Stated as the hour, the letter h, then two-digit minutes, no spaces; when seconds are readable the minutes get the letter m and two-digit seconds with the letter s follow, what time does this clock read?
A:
7h48
